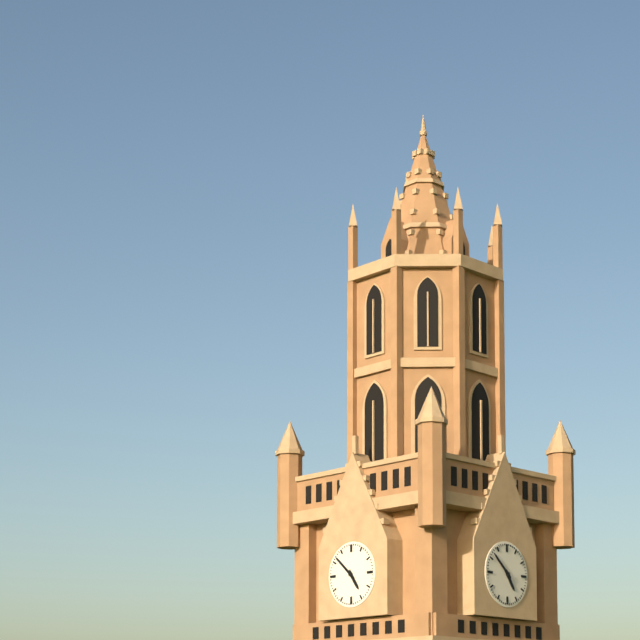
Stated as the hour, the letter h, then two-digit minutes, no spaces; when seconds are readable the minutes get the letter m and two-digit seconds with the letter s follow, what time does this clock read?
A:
4h52
